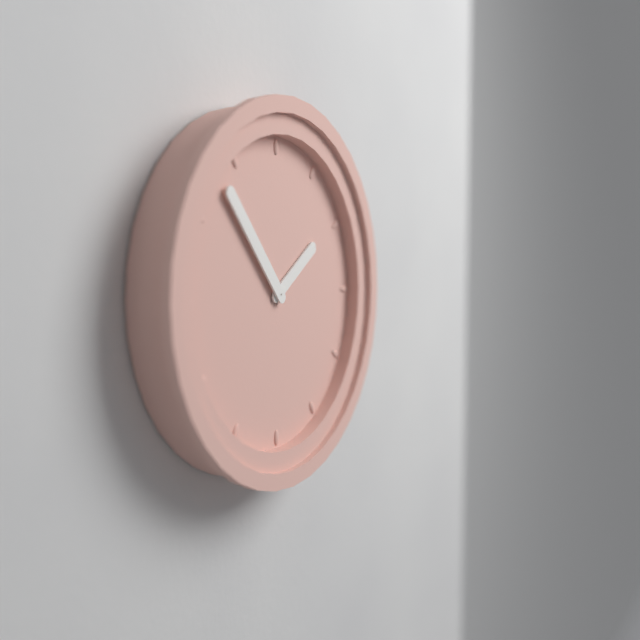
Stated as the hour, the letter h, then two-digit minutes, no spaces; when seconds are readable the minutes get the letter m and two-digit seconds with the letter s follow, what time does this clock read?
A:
1h53
